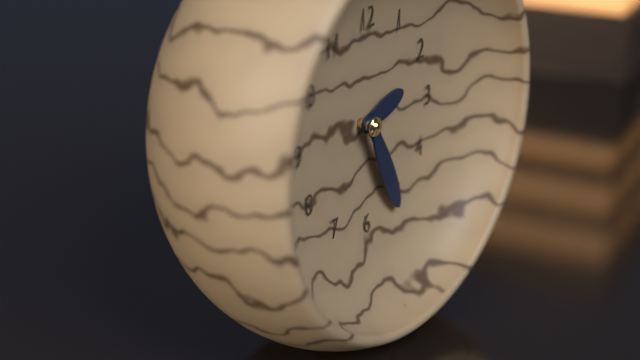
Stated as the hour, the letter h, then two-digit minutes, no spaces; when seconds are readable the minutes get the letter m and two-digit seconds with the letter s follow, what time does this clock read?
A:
2h26
